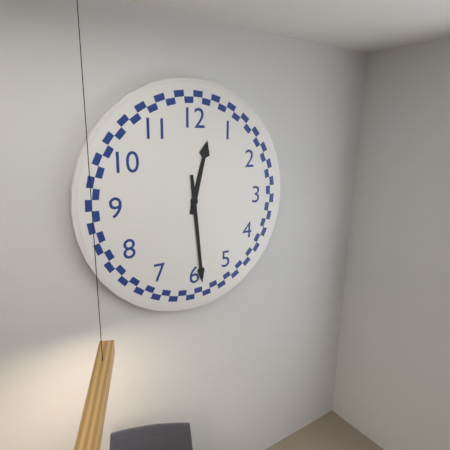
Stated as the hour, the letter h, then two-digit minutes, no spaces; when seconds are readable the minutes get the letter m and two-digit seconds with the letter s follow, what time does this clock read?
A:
12h29
